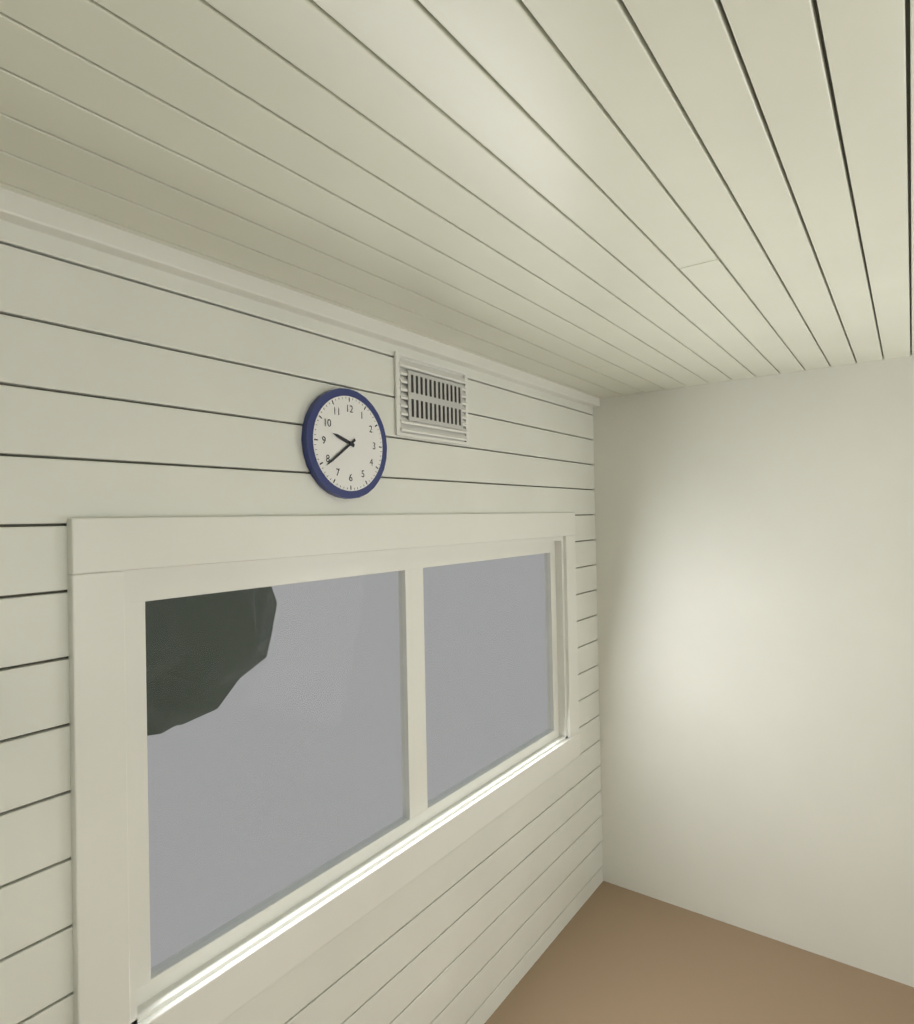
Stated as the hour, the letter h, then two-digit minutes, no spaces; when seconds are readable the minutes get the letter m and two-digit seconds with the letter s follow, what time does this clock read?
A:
9h39
